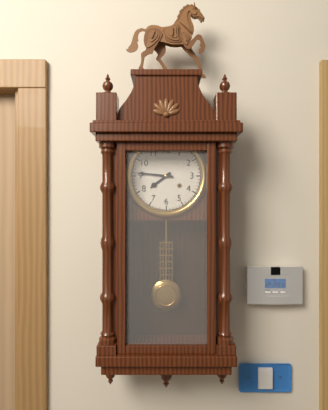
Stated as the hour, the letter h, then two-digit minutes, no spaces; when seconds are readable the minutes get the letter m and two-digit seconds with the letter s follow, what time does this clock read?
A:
7h46
